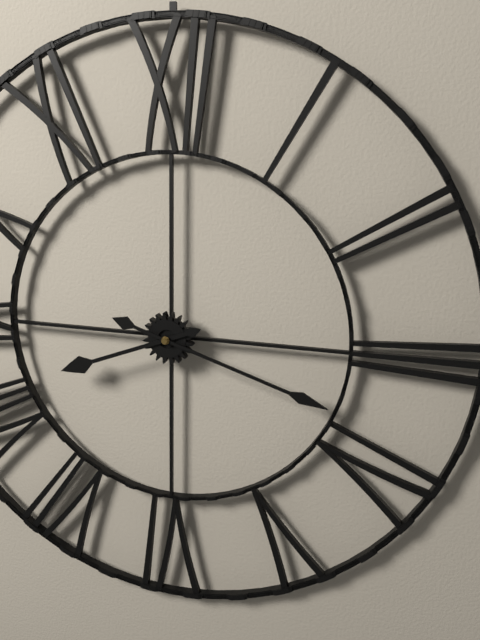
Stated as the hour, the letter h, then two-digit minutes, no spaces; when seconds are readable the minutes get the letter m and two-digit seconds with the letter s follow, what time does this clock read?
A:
8h18
